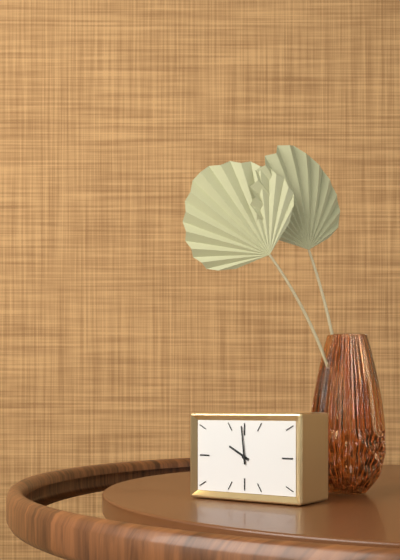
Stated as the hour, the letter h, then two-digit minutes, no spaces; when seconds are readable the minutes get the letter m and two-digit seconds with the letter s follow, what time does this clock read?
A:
9h59
